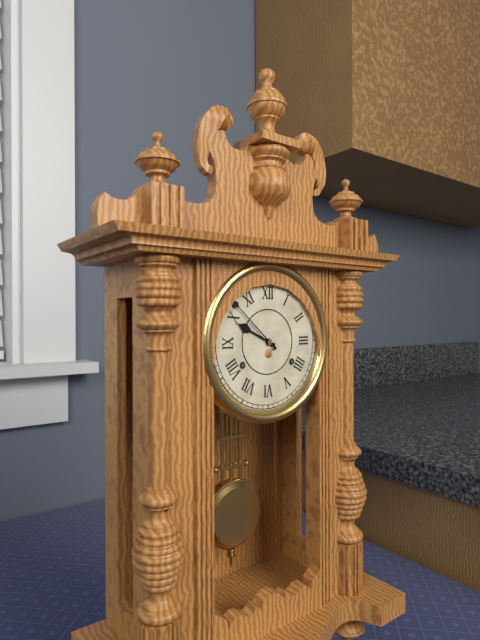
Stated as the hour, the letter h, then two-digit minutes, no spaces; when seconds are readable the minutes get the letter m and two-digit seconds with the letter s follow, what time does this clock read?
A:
9h52
